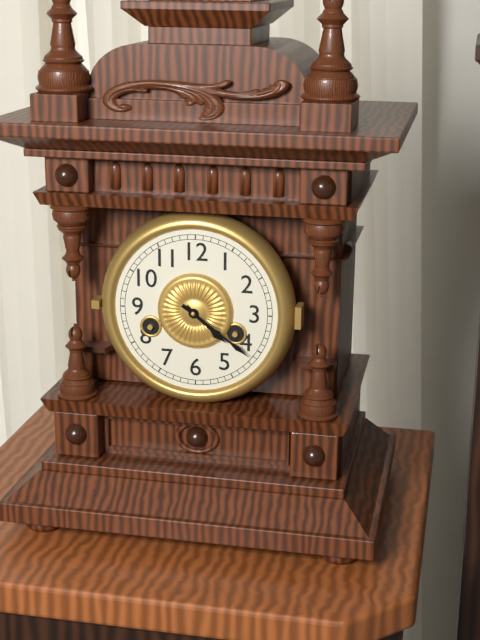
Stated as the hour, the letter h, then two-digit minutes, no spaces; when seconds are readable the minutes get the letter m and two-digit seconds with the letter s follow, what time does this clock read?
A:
4h21
